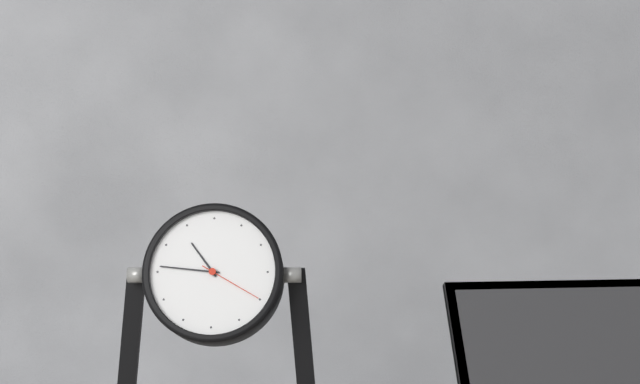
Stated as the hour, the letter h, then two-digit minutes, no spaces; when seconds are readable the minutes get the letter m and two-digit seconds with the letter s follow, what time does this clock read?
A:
10h46m20s
